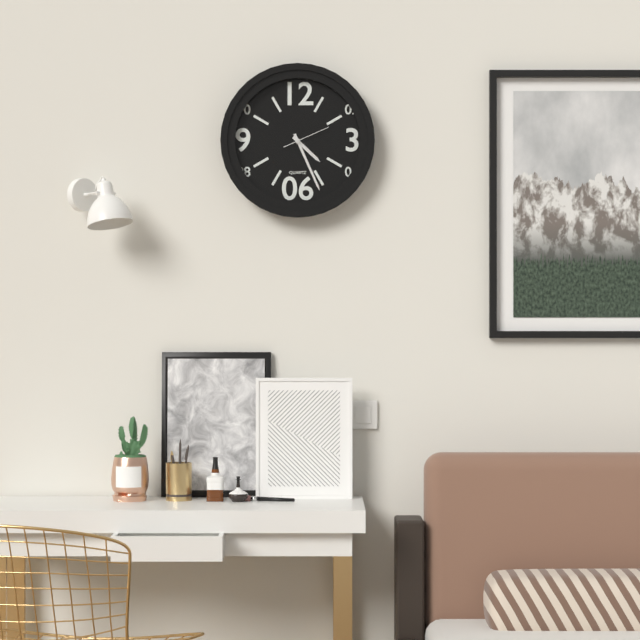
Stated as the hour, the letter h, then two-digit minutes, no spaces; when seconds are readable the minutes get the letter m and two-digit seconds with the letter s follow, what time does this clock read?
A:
4h26
